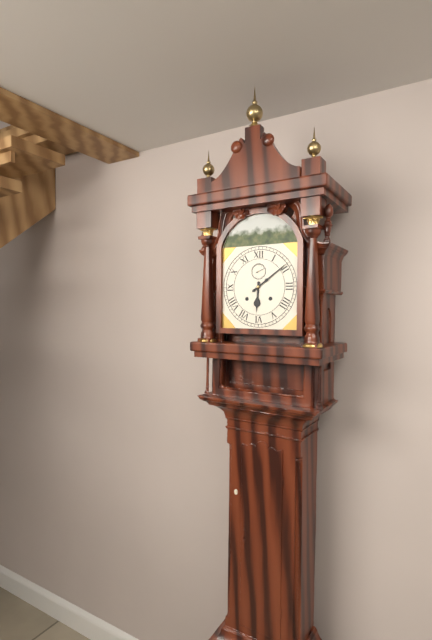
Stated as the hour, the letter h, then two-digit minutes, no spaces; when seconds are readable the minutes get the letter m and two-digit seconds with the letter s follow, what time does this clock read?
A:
6h09
